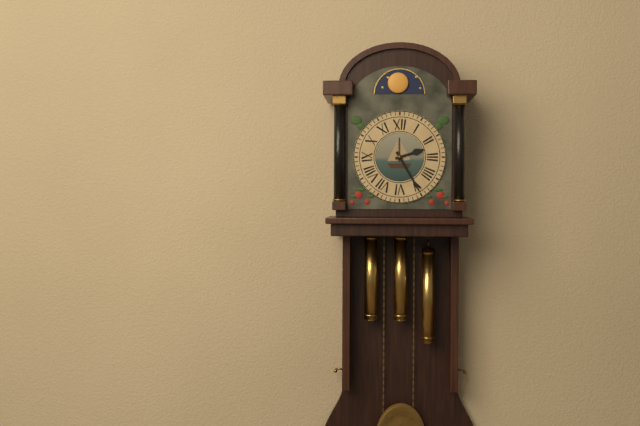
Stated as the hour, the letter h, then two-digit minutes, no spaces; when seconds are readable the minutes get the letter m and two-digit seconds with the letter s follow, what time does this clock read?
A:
2h25
